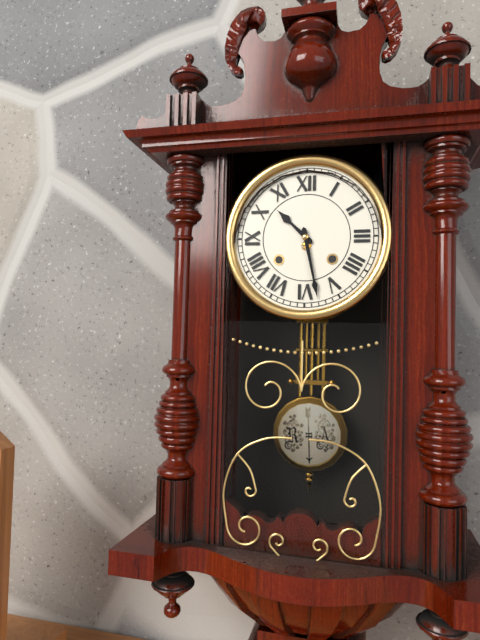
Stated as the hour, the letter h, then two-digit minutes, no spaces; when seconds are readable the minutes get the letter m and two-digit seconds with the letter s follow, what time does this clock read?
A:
10h28
